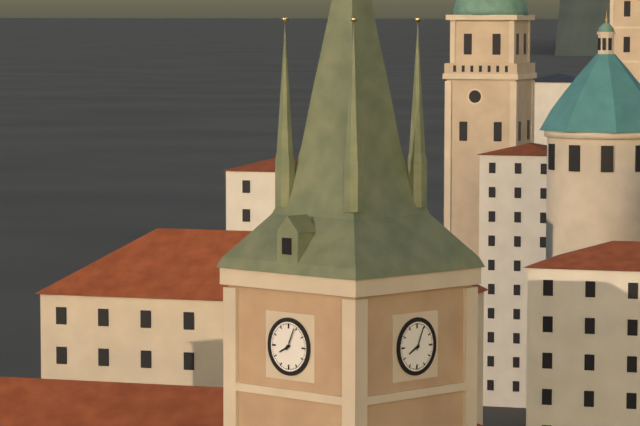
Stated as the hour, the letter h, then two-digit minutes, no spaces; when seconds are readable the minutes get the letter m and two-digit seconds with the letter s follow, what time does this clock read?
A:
8h04
